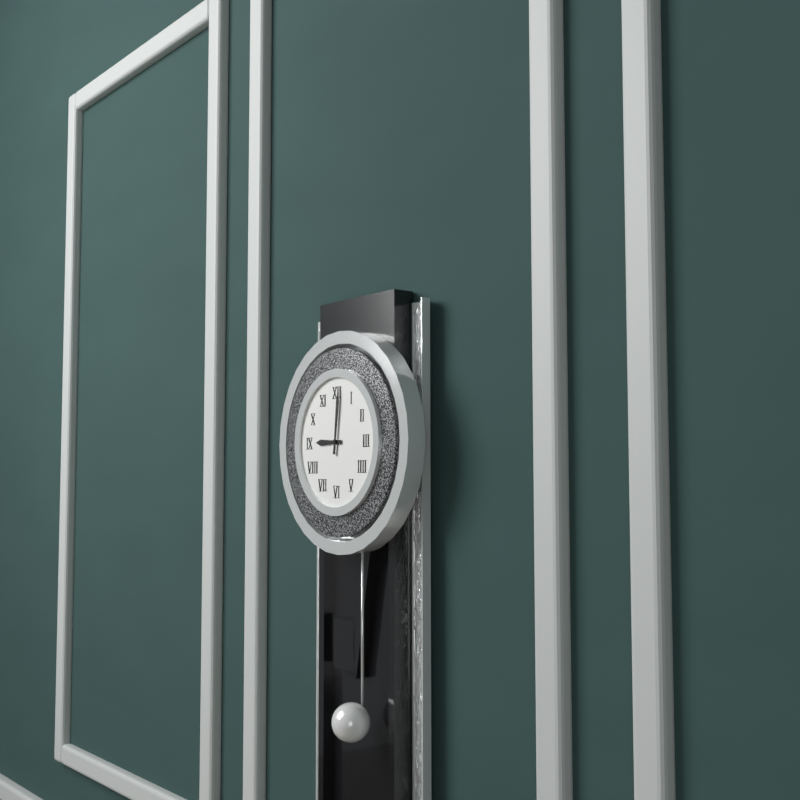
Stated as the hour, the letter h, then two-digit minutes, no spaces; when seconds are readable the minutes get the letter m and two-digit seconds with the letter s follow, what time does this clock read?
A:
9h01
